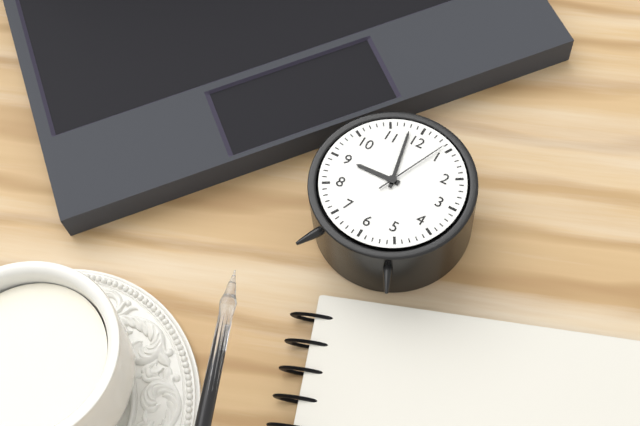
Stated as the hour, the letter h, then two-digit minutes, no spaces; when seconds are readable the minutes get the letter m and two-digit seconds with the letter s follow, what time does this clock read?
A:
8h58m04s
